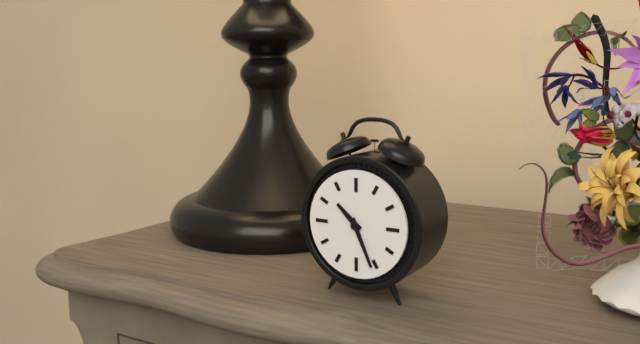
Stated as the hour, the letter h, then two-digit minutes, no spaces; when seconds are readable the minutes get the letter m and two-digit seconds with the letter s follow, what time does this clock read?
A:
10h26
